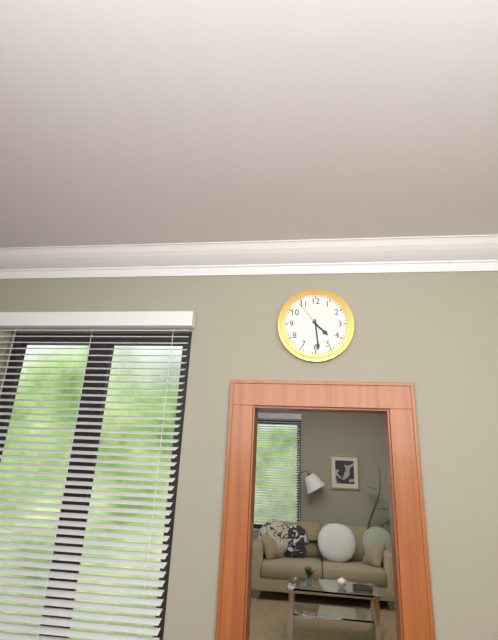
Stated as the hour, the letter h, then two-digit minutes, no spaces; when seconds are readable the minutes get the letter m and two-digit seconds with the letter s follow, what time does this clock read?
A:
4h29
